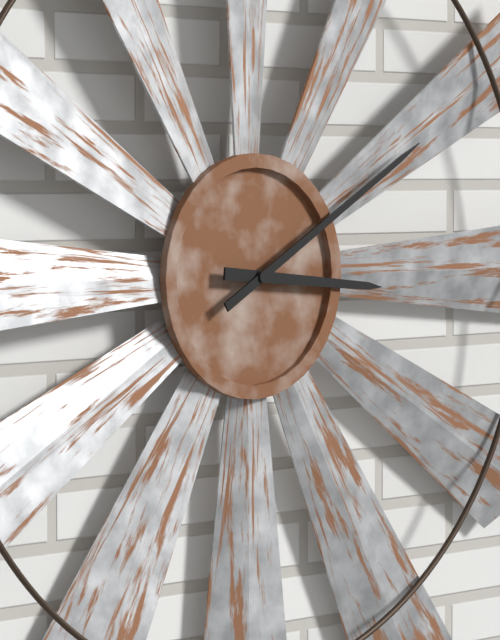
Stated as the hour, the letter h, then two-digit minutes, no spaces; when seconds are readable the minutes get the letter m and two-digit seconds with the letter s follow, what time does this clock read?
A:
3h10
